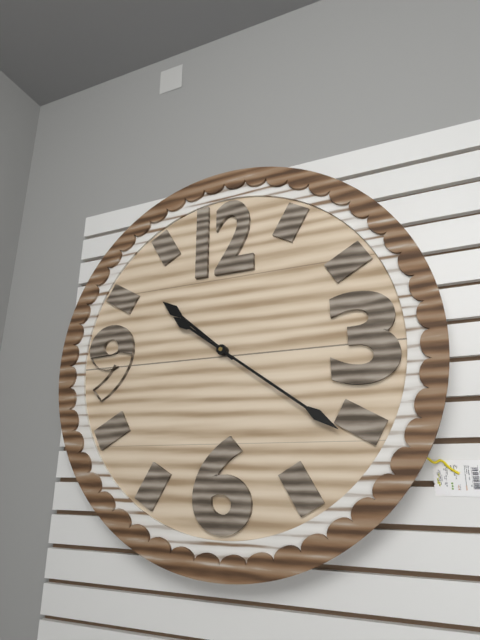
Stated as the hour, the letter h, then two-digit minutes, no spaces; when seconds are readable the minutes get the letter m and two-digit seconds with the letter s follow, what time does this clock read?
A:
10h21
